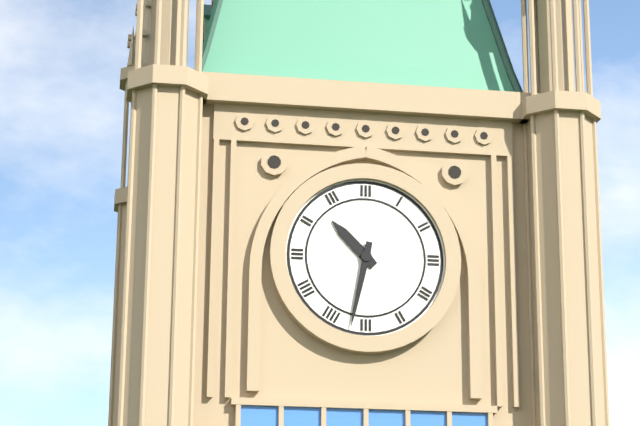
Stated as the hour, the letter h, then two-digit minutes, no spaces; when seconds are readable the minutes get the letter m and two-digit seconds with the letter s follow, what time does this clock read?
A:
10h32
